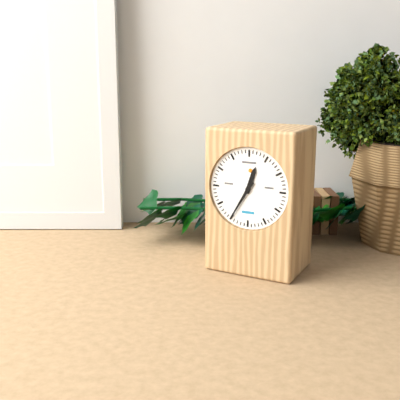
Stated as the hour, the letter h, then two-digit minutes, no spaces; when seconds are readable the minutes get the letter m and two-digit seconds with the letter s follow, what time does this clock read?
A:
12h35
